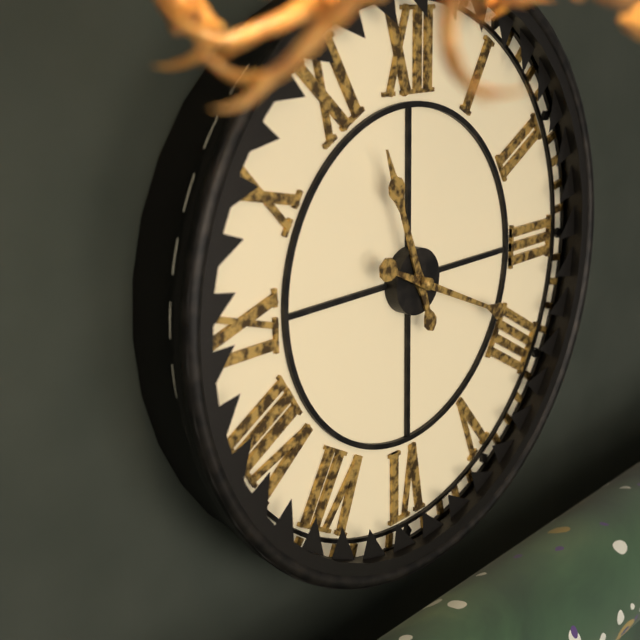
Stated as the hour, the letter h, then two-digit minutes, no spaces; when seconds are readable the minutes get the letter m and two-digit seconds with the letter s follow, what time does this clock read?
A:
11h19
